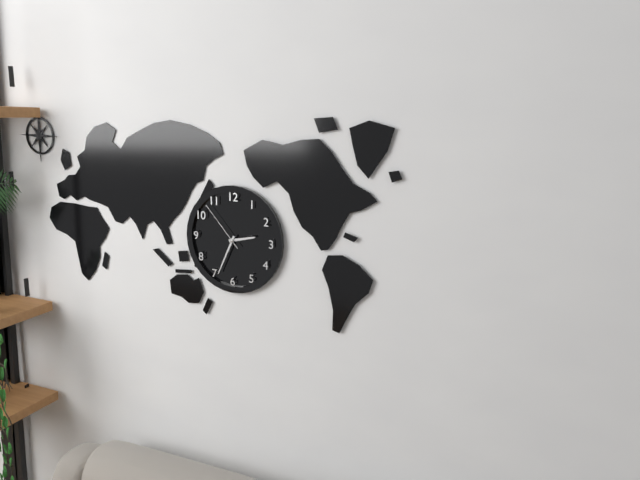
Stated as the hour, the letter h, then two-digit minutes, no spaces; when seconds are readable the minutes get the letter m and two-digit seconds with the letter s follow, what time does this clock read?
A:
2h34m53s
